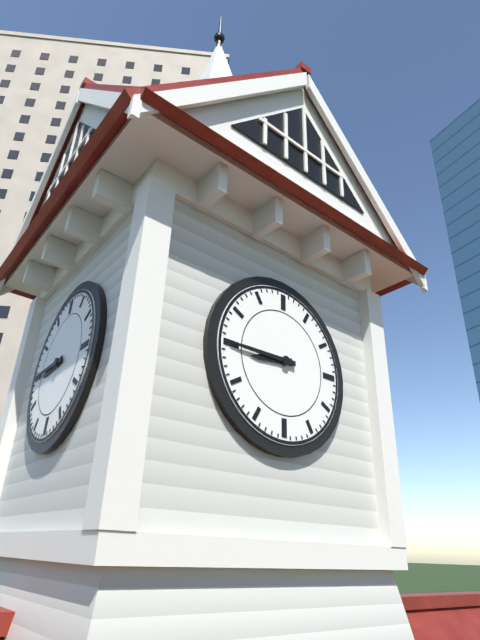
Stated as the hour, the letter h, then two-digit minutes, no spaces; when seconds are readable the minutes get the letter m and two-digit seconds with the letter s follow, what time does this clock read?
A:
8h45
